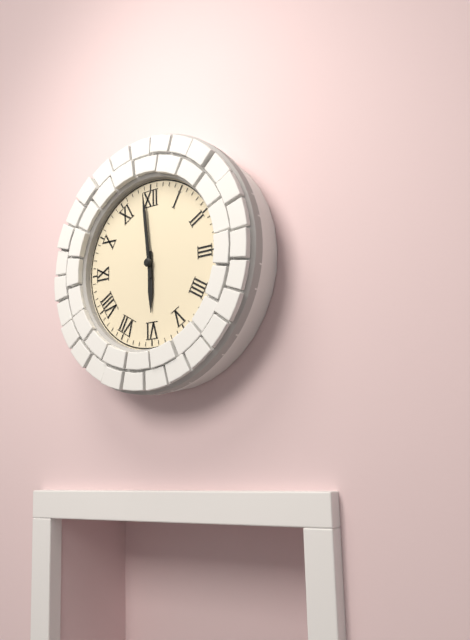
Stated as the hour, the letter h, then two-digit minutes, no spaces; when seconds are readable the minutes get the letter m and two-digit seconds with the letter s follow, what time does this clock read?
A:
5h59
